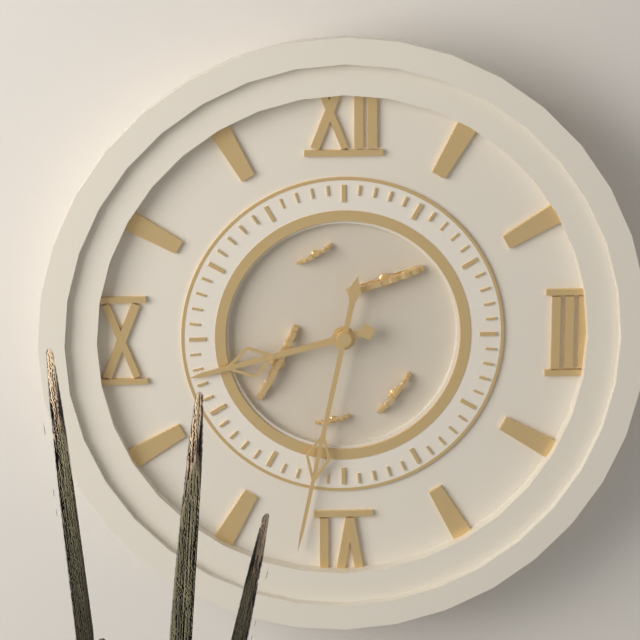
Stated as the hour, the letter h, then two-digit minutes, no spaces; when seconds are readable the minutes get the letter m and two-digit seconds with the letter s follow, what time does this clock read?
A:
8h32
